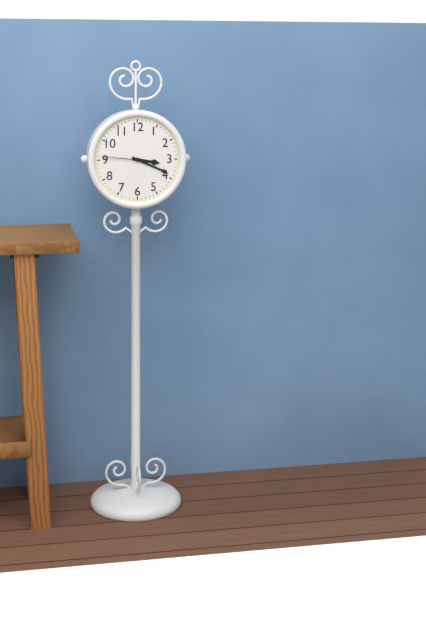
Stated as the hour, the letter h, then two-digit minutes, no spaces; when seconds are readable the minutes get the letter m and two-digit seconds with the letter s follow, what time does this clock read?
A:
3h19
